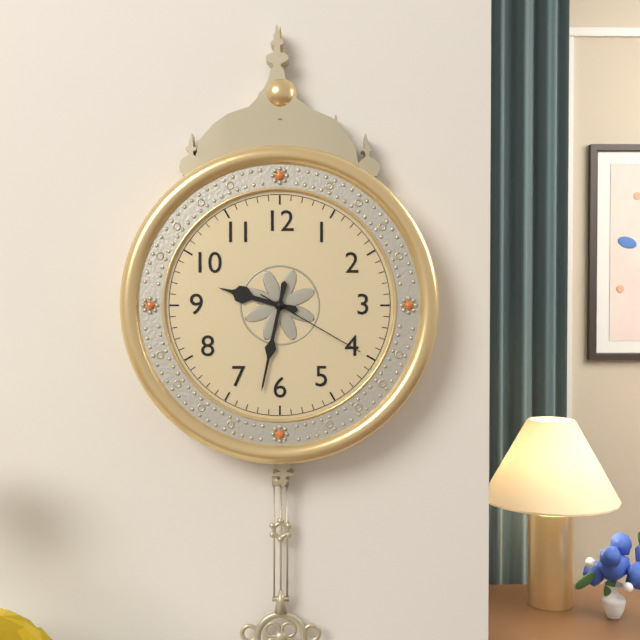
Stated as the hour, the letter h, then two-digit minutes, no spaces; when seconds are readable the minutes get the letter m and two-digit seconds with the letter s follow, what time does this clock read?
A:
9h32m20s
